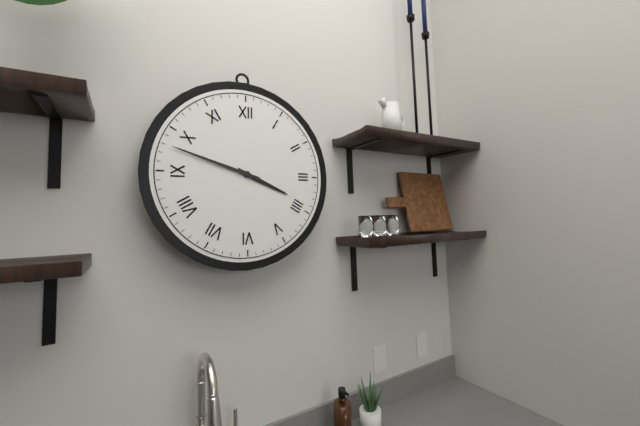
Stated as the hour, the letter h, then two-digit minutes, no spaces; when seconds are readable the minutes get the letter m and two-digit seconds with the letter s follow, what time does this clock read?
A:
3h48
